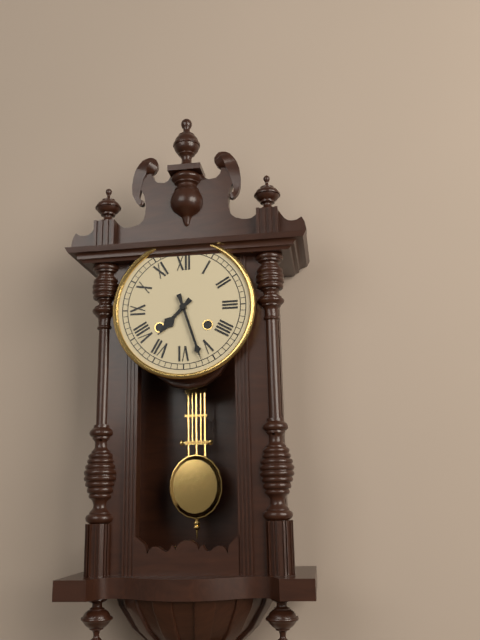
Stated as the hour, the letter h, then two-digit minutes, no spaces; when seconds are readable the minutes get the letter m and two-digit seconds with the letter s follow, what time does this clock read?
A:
7h27
